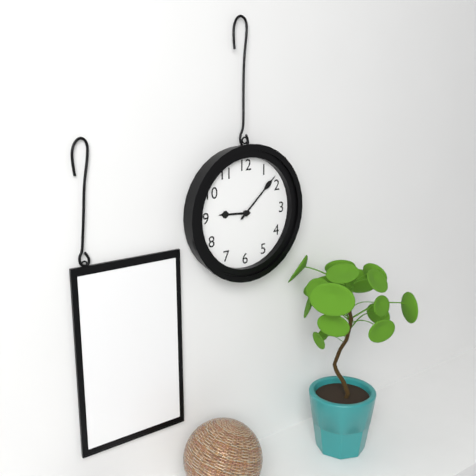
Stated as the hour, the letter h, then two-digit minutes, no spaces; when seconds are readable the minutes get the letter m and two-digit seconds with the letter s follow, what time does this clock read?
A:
9h08
